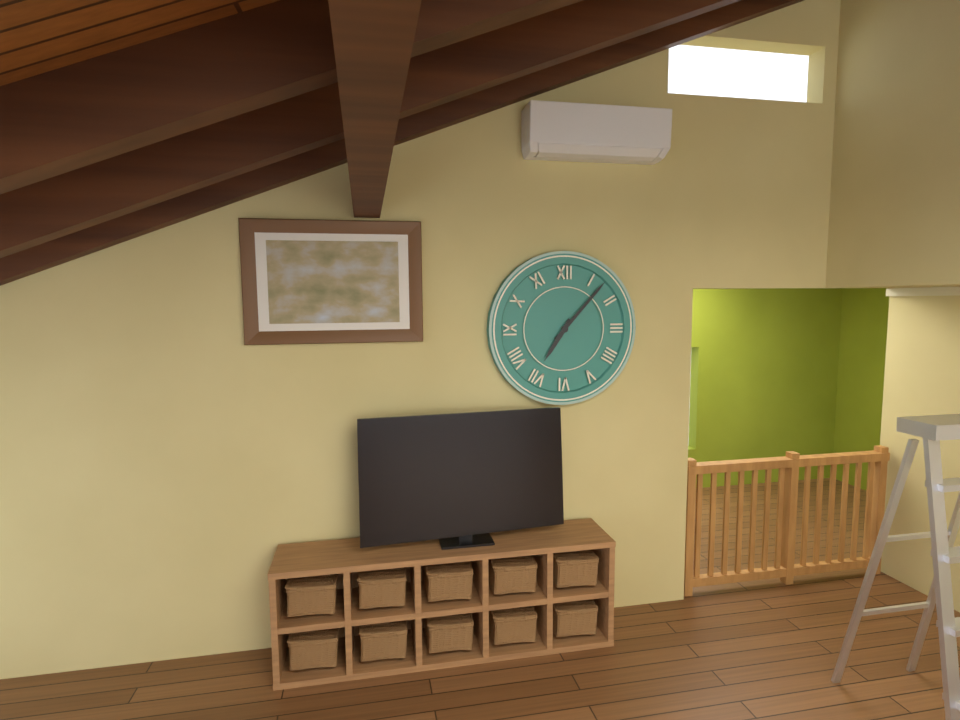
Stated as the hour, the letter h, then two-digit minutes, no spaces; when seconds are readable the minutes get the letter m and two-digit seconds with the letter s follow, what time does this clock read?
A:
7h07
